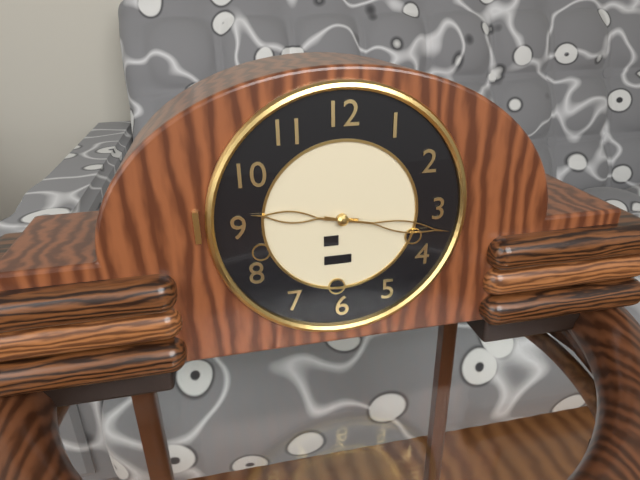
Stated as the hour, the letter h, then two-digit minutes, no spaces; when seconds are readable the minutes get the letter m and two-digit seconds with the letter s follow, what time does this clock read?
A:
9h17
